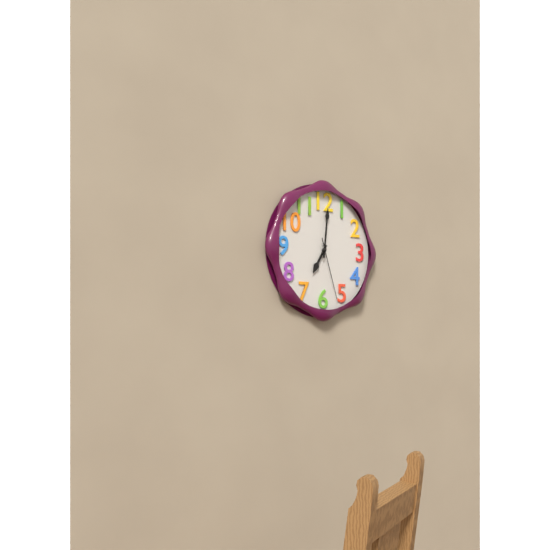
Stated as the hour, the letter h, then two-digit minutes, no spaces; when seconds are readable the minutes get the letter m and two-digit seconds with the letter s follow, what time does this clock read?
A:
7h01m27s
